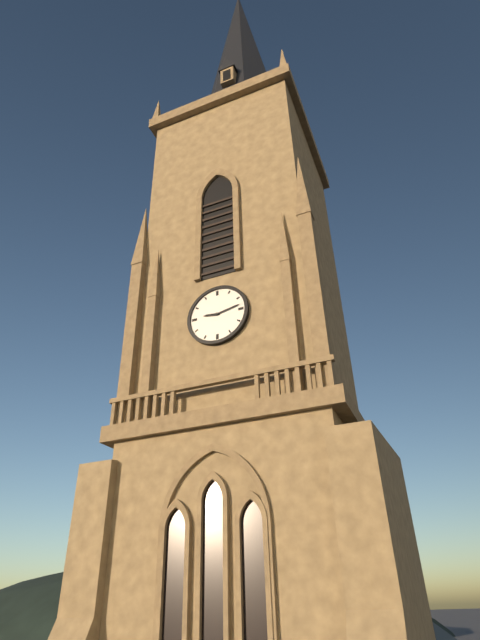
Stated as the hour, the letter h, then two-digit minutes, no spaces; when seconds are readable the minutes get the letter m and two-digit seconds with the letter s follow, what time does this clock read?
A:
9h13
